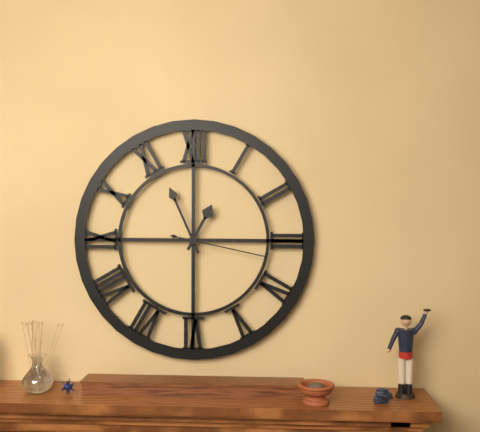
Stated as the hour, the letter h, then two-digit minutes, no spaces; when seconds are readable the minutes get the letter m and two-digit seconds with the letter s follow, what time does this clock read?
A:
12h56m17s
